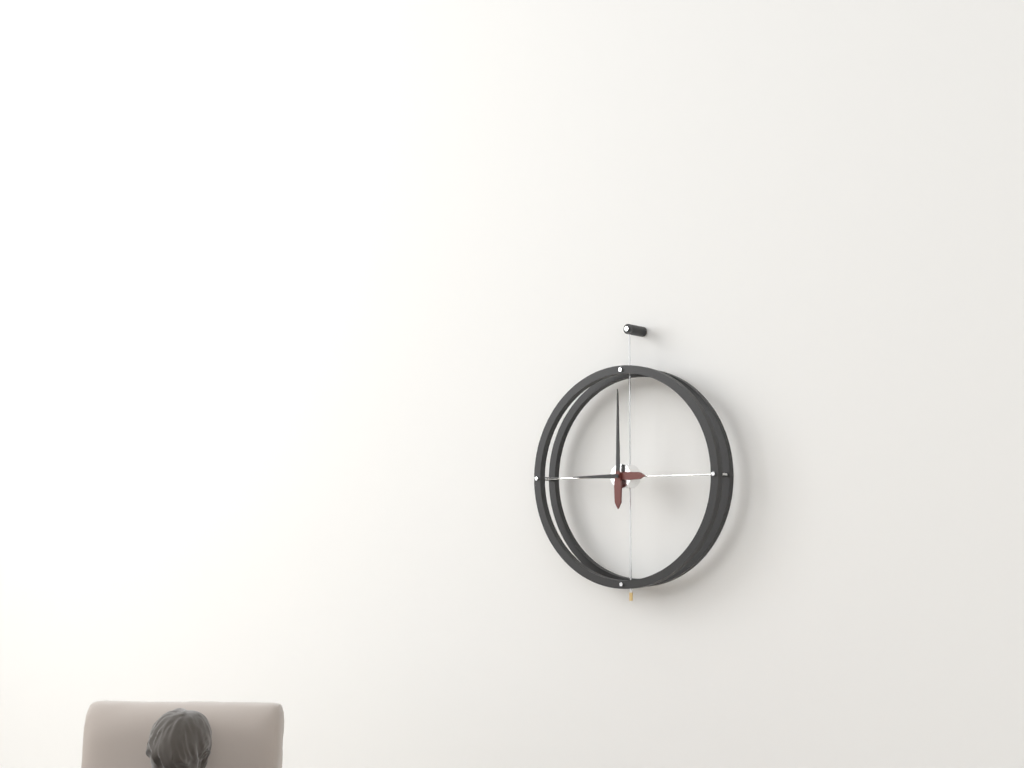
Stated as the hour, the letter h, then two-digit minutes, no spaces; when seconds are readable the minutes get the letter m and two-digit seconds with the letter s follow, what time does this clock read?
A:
9h00
